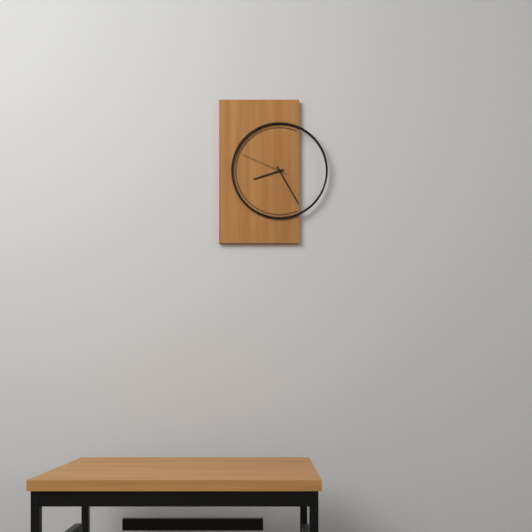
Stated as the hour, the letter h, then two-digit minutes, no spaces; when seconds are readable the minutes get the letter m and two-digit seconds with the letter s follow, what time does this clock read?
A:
8h25m49s
